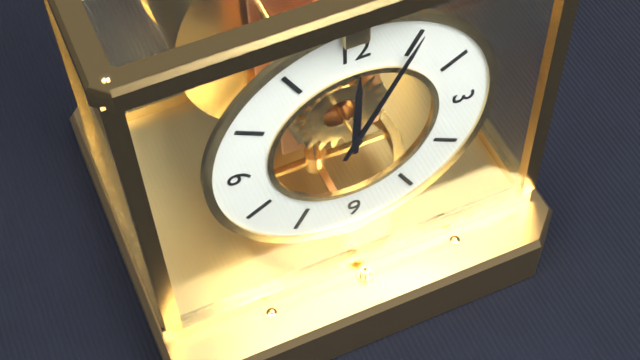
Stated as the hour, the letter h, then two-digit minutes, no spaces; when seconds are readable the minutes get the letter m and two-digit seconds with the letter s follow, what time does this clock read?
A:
12h05
